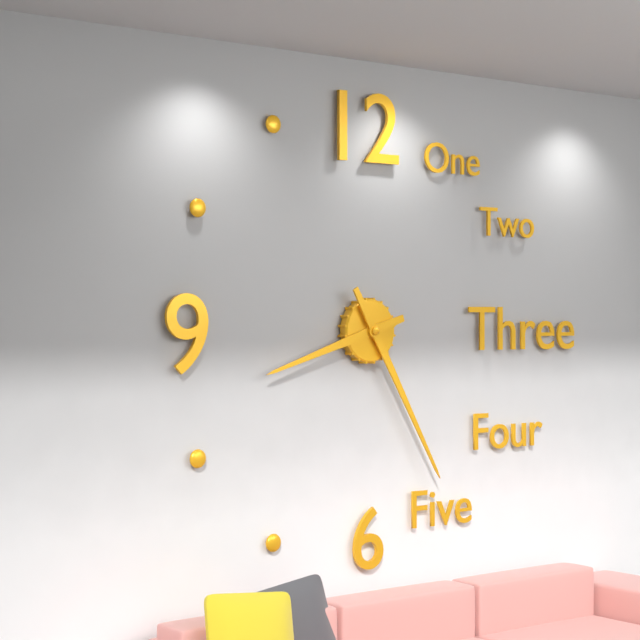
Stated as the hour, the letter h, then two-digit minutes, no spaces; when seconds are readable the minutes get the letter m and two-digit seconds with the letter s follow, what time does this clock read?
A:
8h25
